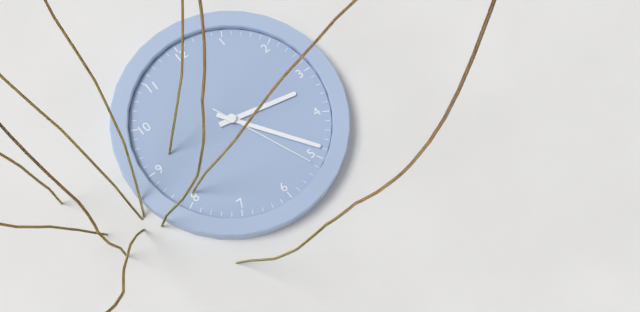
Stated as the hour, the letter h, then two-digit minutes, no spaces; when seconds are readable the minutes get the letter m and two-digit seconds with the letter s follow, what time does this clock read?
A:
3h24m26s
